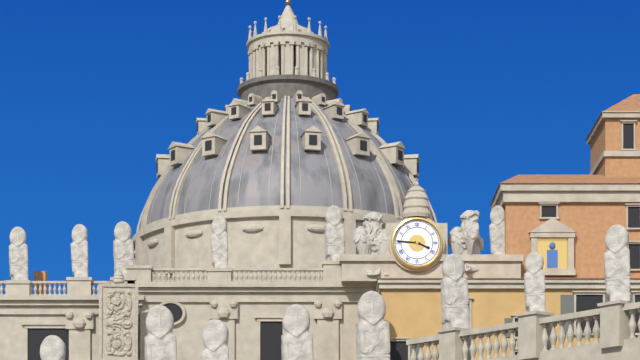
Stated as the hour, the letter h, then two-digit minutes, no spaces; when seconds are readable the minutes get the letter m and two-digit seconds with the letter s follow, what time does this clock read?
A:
3h46
